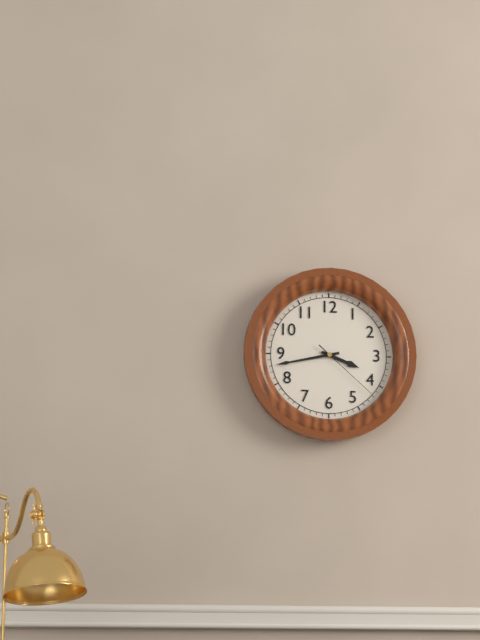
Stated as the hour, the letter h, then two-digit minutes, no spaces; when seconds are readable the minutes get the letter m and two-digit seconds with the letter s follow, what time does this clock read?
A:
3h43m22s
